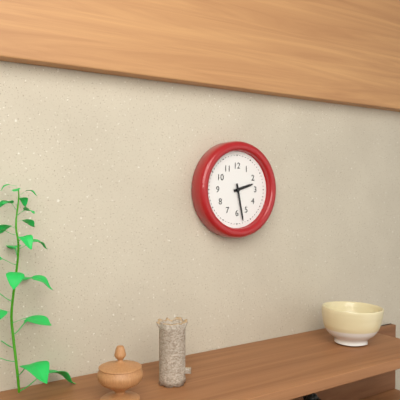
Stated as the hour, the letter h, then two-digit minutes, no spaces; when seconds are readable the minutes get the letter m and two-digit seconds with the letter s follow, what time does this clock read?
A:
2h28
